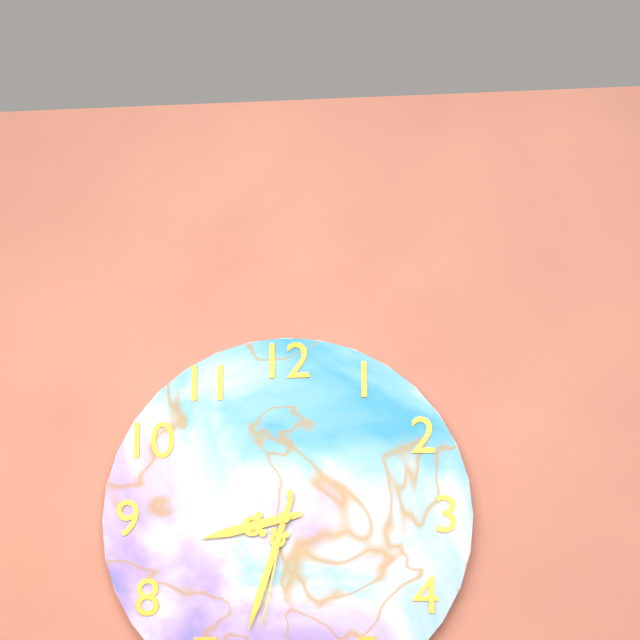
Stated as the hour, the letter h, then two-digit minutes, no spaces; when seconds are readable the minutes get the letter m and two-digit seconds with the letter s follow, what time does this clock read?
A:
8h33m32s
